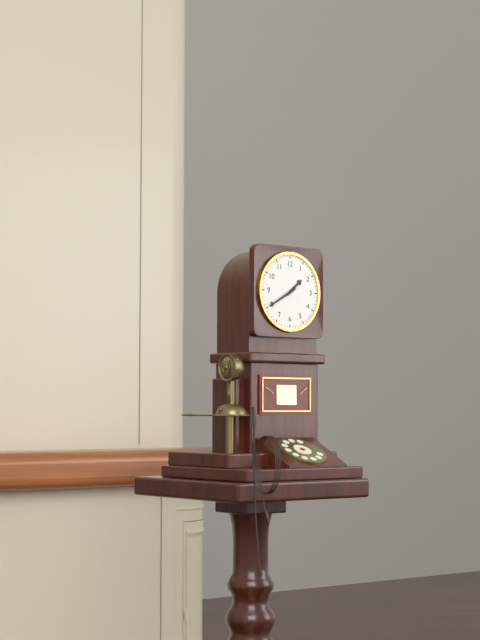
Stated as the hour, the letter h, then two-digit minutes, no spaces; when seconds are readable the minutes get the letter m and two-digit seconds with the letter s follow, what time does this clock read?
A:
1h40
